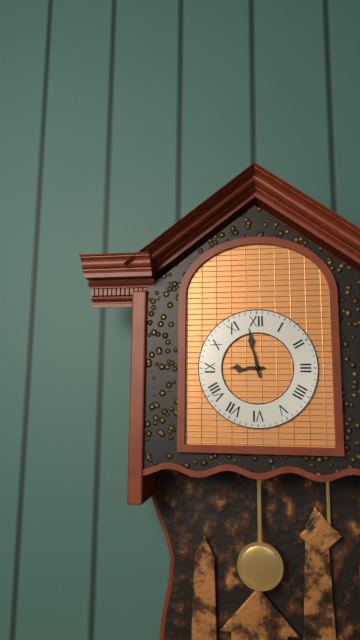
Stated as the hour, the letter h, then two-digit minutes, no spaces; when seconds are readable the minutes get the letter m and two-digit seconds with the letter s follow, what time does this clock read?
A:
8h58
